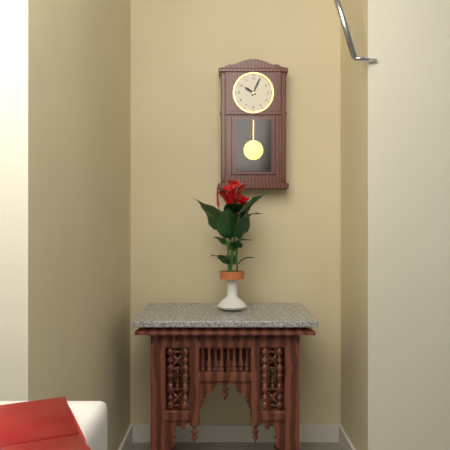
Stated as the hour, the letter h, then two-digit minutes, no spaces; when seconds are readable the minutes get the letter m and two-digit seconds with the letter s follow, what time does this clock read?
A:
10h04
